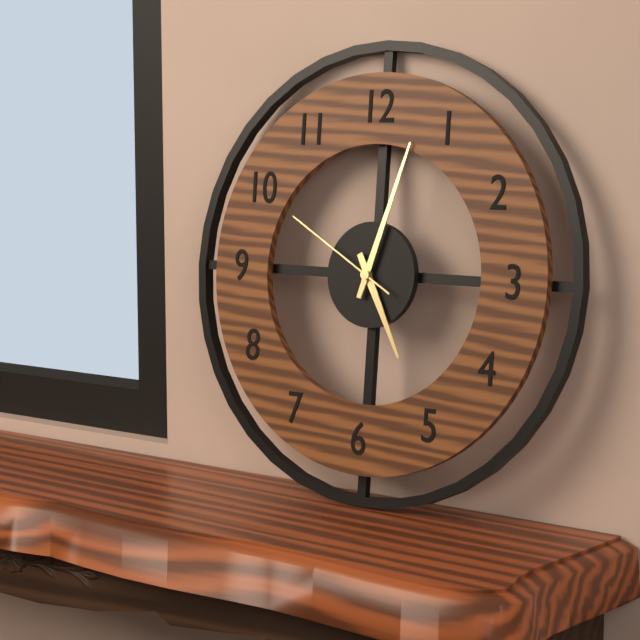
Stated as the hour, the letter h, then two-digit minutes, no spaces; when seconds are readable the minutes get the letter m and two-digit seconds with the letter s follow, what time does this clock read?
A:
5h03m50s
